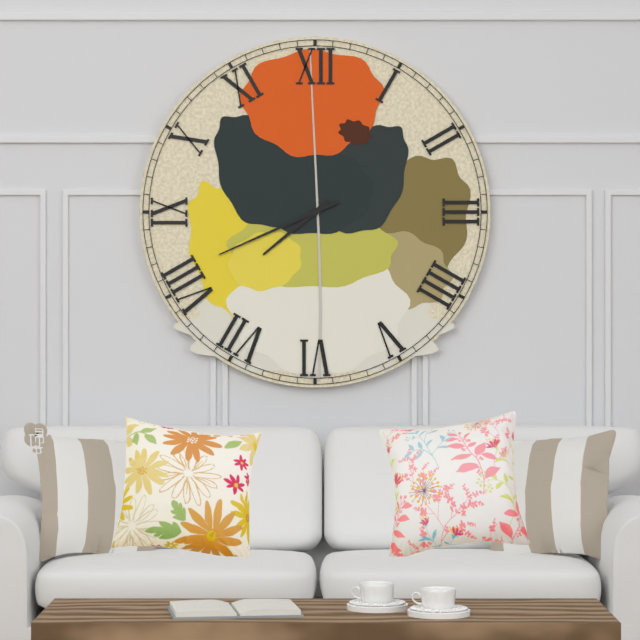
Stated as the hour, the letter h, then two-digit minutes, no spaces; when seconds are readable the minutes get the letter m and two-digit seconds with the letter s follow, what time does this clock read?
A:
7h41
